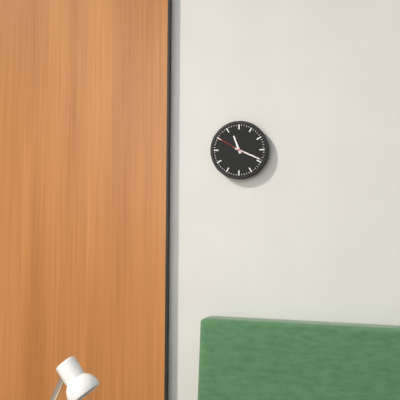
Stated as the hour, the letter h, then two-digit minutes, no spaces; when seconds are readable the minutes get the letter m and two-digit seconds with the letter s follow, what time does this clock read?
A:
11h19
